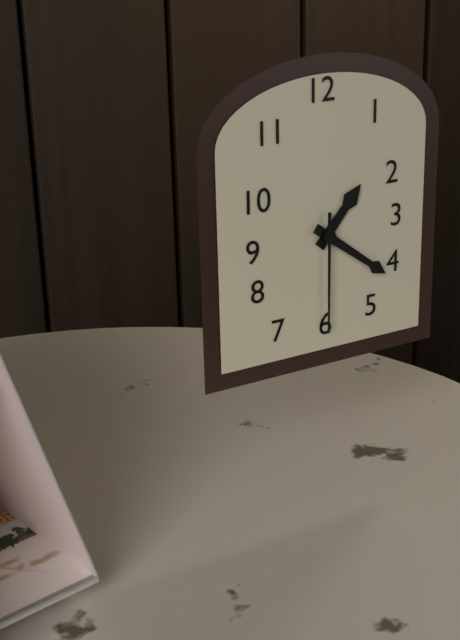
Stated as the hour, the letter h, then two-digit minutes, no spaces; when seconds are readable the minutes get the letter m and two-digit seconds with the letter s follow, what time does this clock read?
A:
1h21m30s
